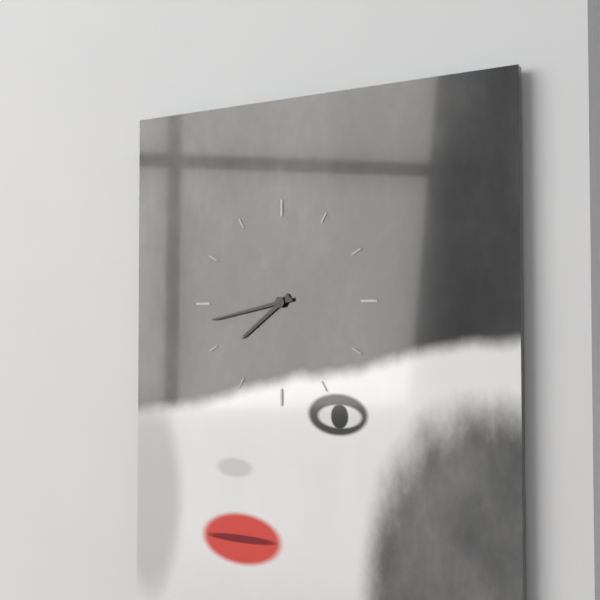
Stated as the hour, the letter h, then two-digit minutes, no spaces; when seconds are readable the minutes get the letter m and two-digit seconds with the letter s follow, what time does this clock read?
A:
7h43
